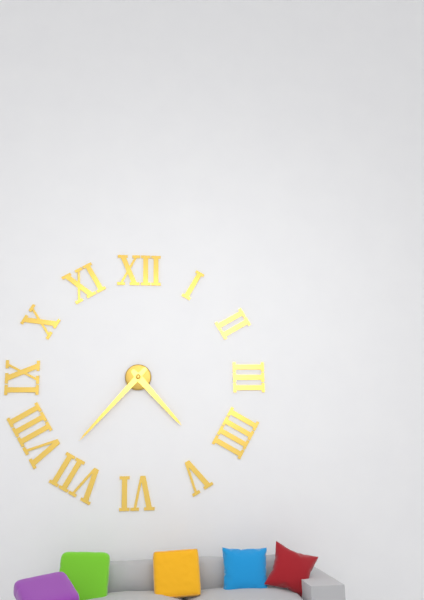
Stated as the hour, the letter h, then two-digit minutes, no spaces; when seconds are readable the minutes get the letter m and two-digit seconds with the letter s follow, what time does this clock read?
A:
4h37
